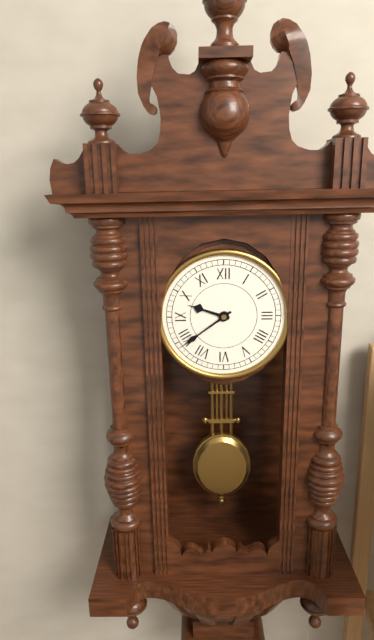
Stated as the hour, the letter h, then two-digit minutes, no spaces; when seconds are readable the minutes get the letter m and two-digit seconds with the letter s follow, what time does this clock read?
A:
9h39
